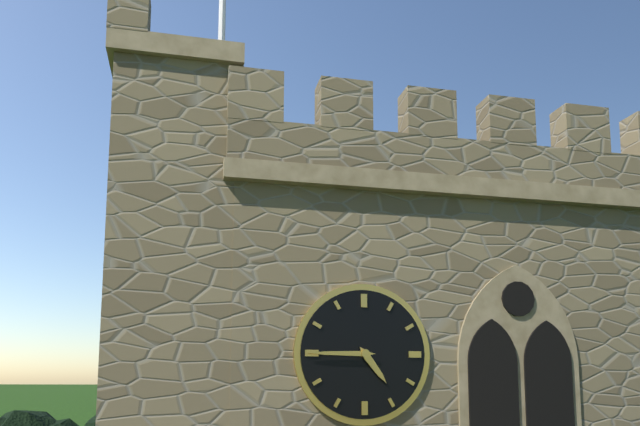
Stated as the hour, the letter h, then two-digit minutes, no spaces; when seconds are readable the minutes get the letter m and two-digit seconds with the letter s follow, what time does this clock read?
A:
4h45
